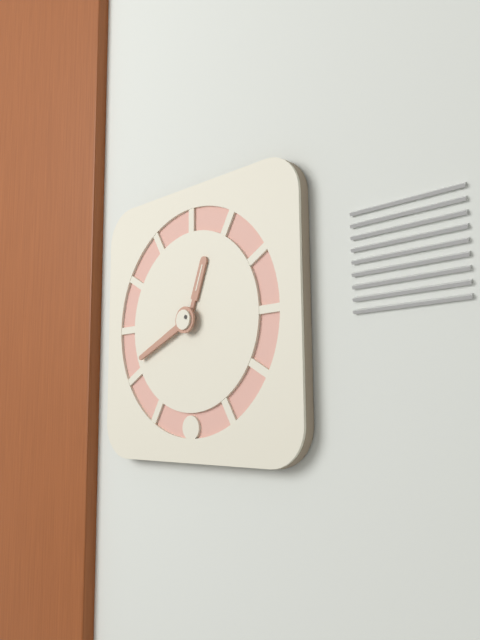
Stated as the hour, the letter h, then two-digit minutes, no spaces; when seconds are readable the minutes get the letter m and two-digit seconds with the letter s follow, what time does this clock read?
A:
12h41
